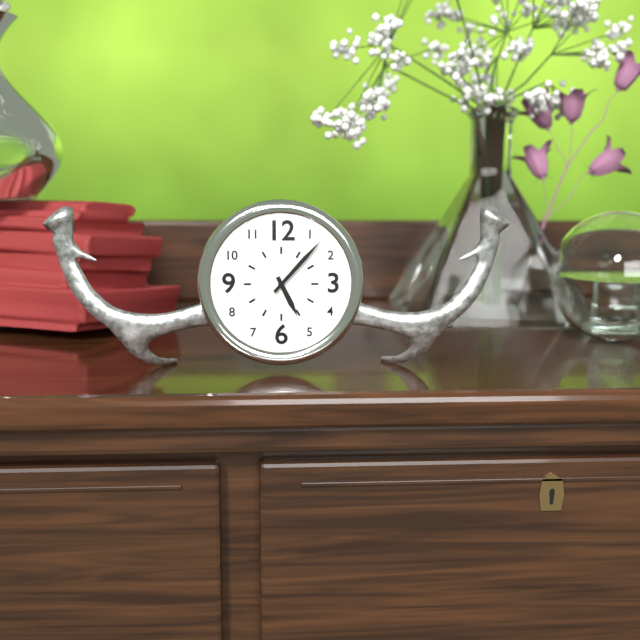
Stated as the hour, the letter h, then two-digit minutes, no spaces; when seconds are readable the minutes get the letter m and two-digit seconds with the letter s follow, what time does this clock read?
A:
5h07
